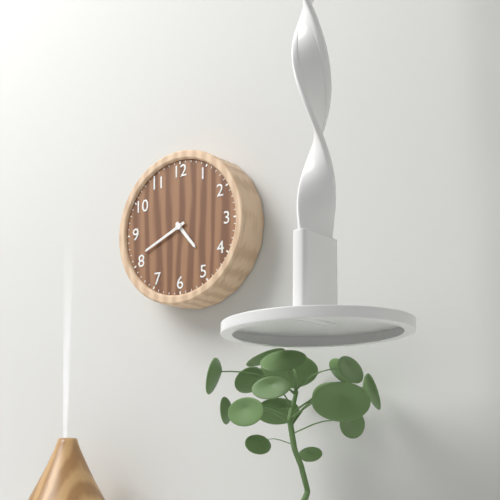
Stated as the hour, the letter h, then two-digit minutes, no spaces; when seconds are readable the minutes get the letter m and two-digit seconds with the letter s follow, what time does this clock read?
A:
4h41
